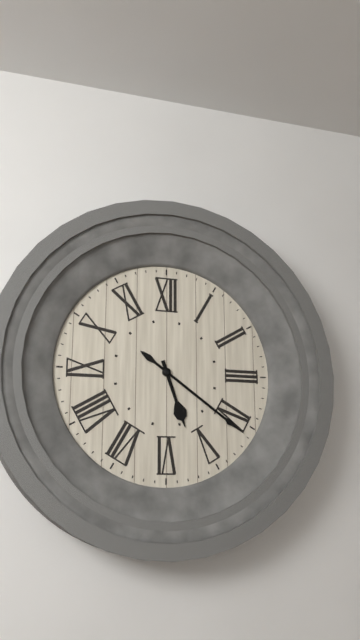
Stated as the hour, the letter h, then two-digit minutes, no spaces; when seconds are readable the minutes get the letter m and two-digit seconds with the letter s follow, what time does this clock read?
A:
5h21
